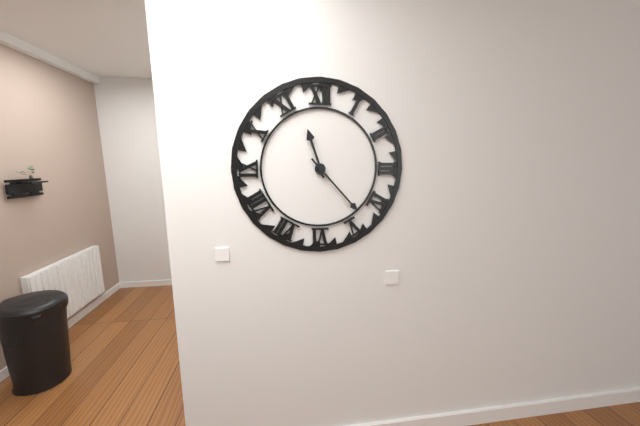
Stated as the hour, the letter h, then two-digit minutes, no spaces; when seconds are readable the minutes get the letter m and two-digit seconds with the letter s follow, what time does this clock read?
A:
11h23
